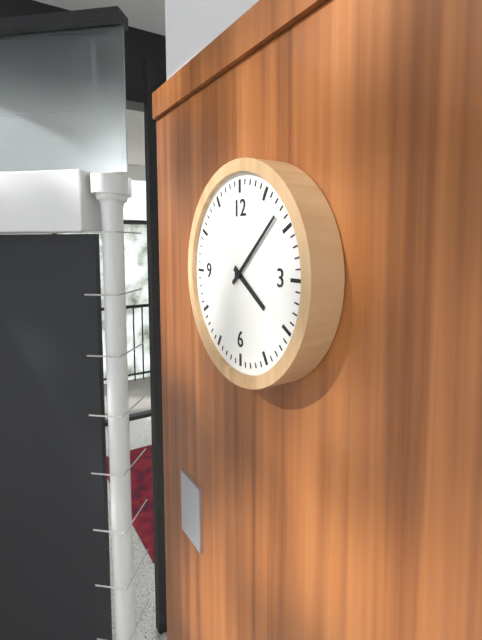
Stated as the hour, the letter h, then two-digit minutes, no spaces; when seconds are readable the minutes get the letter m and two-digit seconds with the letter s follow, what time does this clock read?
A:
4h08
